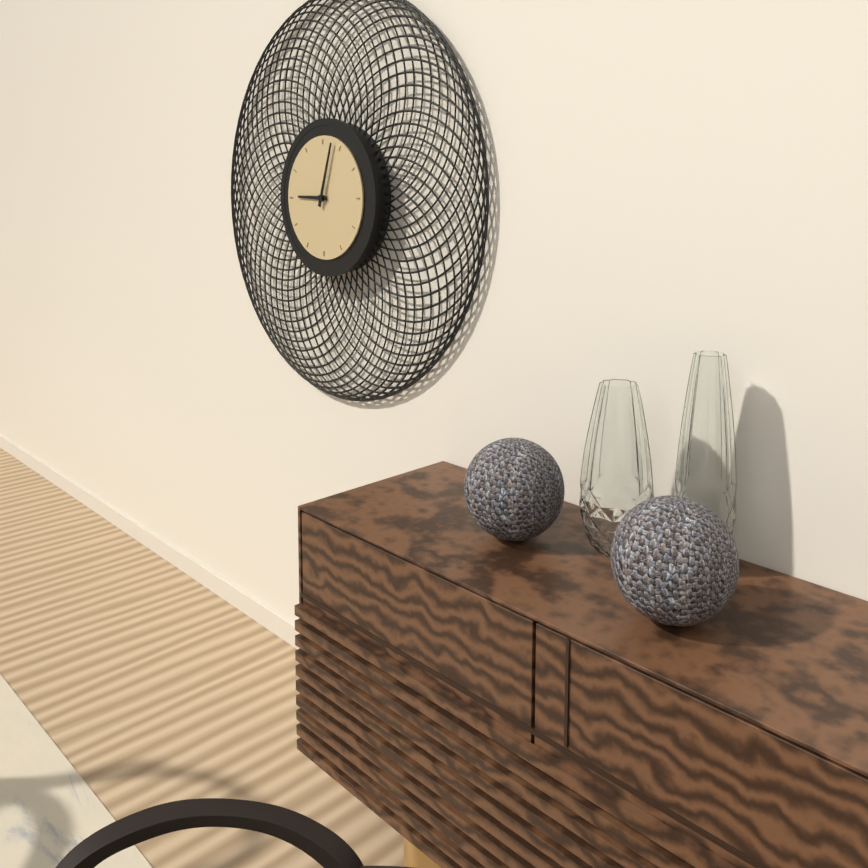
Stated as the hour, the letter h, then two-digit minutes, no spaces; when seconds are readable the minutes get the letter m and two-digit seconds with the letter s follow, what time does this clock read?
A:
9h03
